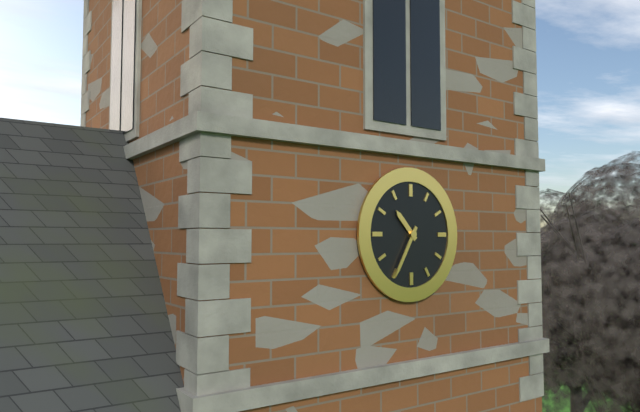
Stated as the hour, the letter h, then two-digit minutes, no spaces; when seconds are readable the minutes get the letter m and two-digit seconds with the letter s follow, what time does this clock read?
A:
10h35
